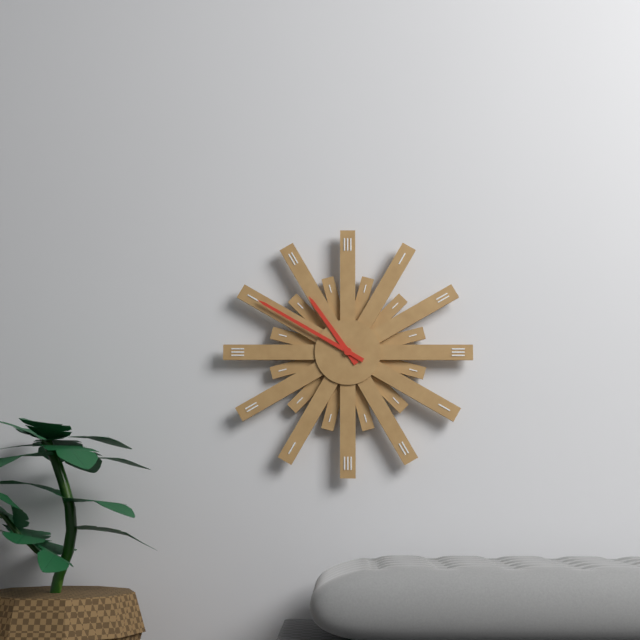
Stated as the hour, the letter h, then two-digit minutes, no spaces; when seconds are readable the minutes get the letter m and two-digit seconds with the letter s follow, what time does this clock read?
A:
10h50
